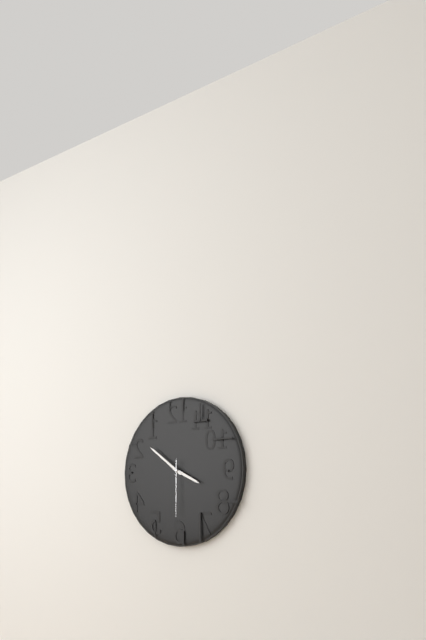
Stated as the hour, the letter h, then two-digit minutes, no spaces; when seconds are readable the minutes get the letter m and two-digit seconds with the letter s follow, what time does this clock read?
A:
3h51m30s
